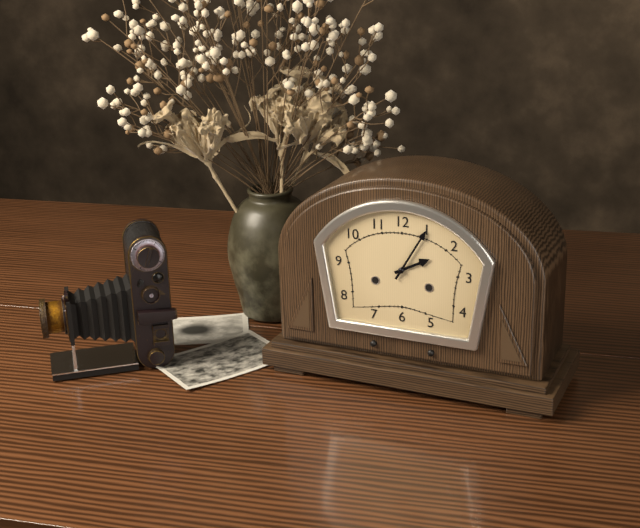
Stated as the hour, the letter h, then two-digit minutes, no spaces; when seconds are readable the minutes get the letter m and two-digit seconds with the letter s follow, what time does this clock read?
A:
2h05
